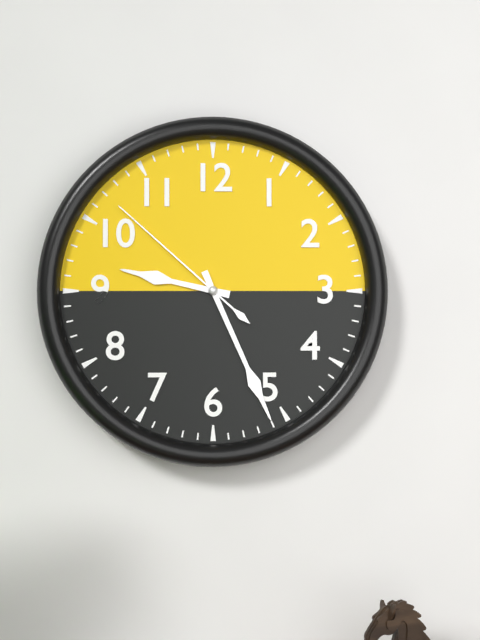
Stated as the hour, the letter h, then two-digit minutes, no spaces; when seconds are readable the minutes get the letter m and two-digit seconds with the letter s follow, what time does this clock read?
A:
9h26m52s
